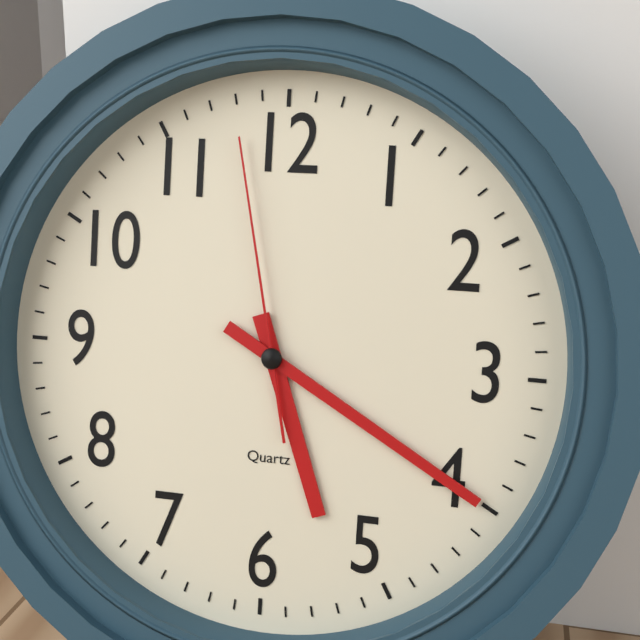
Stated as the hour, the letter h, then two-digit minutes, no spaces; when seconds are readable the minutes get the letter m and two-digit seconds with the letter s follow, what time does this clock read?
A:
5h20m58s
